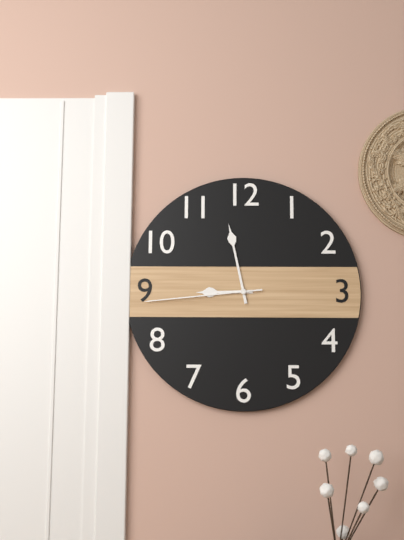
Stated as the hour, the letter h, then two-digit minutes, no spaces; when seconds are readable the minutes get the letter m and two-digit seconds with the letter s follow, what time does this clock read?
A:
8h58m44s
